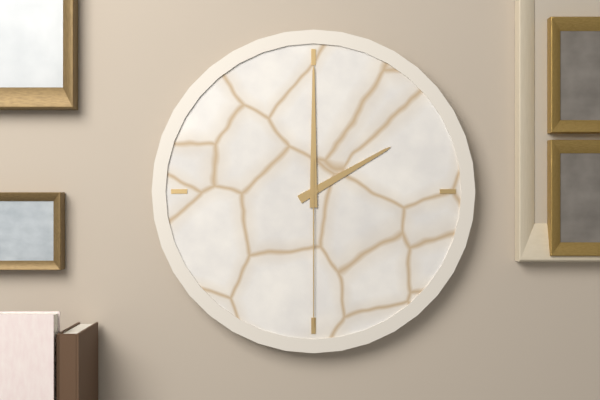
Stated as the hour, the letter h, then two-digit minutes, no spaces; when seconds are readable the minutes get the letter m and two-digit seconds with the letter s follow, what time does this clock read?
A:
2h00m30s
